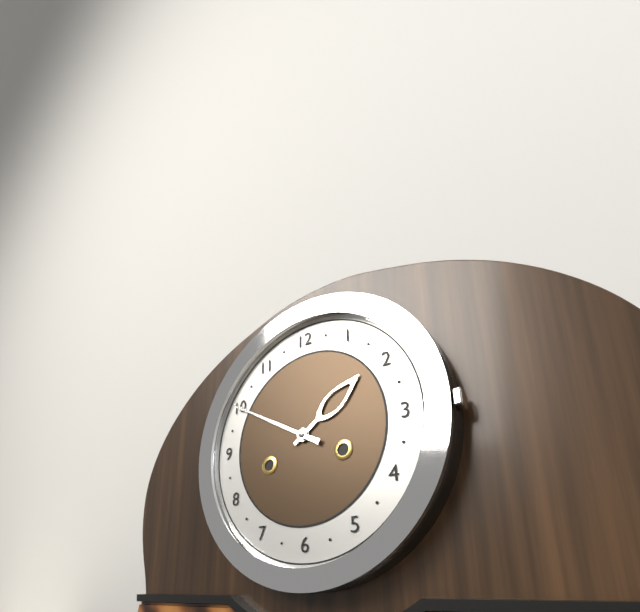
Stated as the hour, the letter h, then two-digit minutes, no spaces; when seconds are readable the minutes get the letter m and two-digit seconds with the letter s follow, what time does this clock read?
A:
1h50
